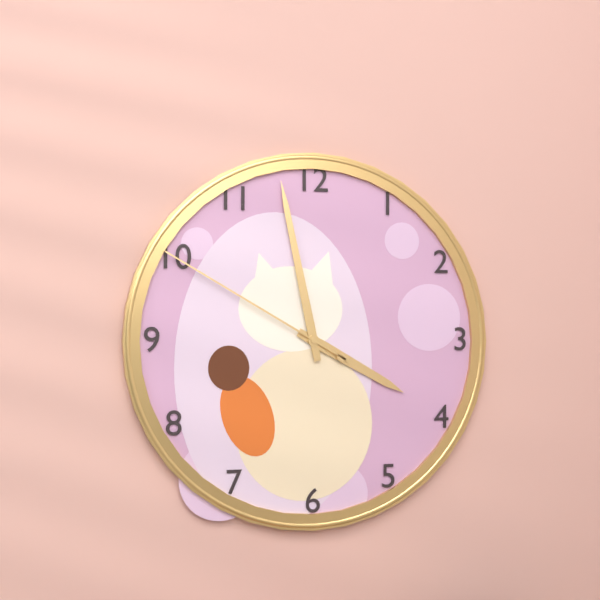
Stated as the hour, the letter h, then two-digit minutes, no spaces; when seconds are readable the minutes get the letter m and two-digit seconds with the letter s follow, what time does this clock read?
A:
3h58m50s
